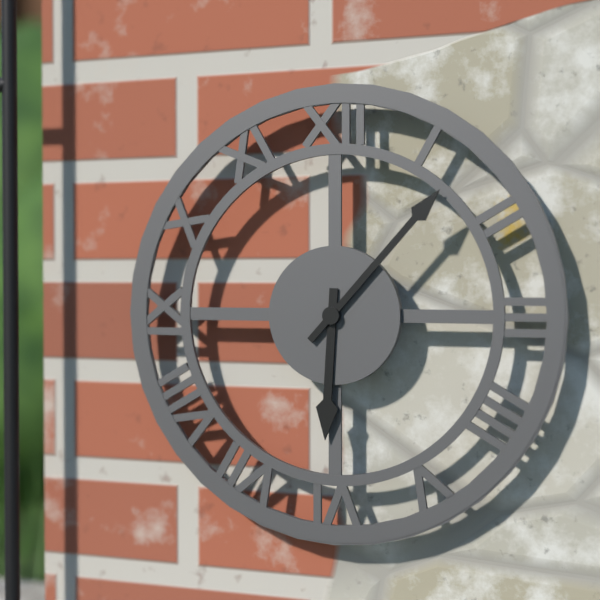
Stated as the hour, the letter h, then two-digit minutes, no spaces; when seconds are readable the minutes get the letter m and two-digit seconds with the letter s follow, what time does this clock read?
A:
6h07
